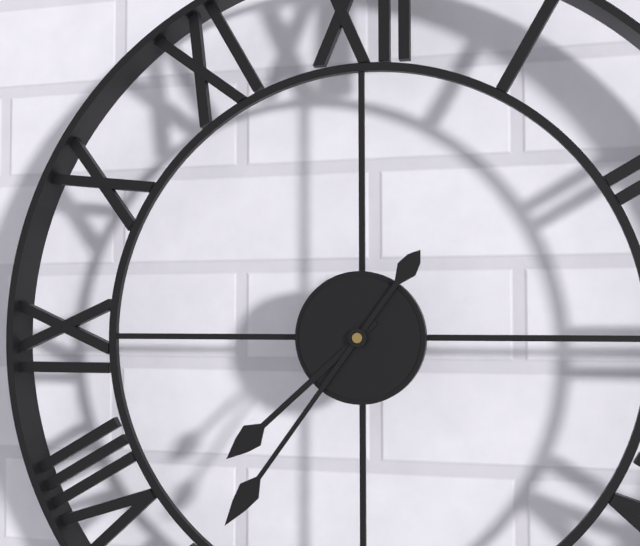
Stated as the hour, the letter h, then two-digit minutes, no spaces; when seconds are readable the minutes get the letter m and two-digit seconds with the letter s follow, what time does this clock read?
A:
7h36
